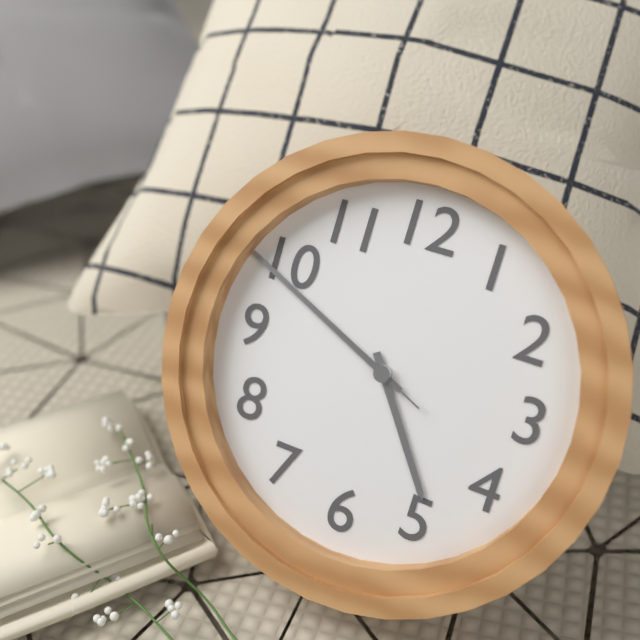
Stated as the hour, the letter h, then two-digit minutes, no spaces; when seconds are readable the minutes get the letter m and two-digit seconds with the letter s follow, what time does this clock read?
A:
4h49m49s
